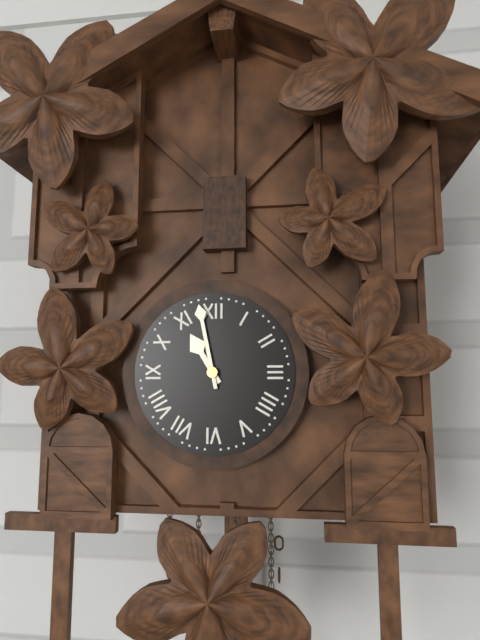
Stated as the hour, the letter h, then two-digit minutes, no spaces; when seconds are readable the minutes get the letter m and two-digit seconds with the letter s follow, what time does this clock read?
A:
10h58
